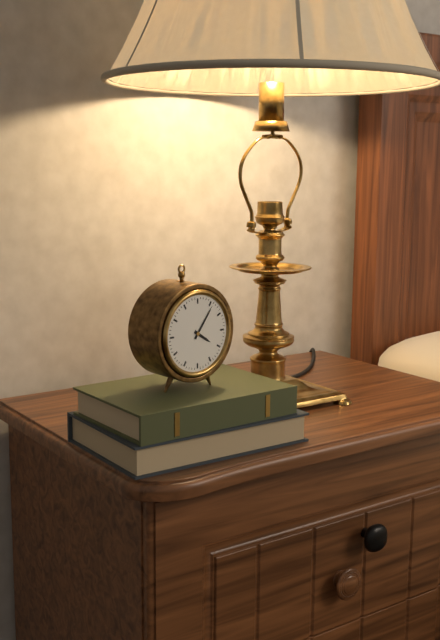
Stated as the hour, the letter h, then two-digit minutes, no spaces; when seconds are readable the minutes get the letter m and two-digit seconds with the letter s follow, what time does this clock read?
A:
4h06
